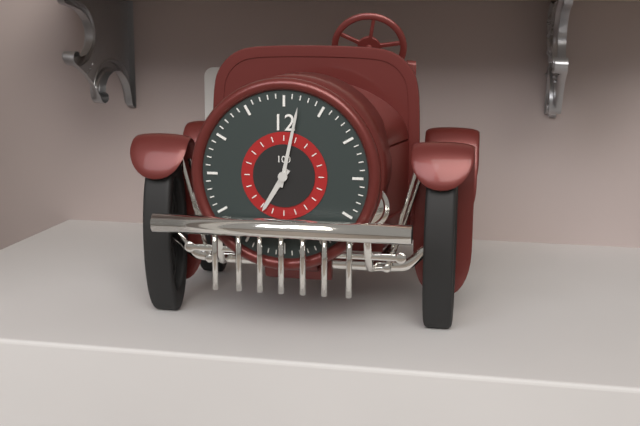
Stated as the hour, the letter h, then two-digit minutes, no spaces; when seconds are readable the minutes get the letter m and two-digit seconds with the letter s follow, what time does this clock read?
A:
7h02
